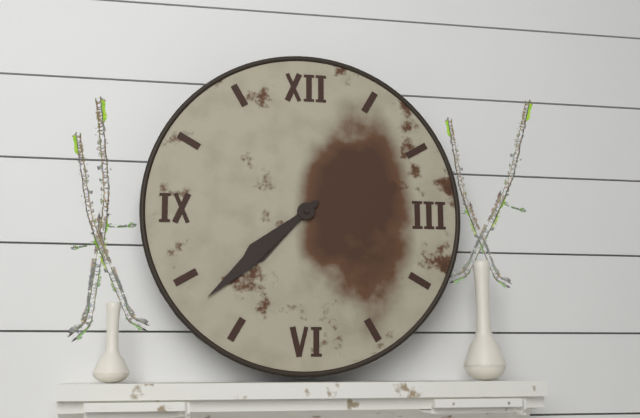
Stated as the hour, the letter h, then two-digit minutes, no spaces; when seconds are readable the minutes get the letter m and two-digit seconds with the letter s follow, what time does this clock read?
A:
7h38
